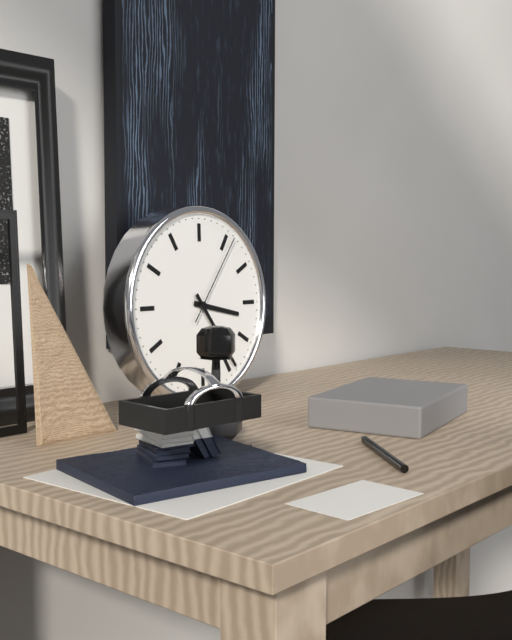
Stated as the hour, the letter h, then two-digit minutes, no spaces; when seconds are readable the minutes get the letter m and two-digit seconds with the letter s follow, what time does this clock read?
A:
3h24m06s
